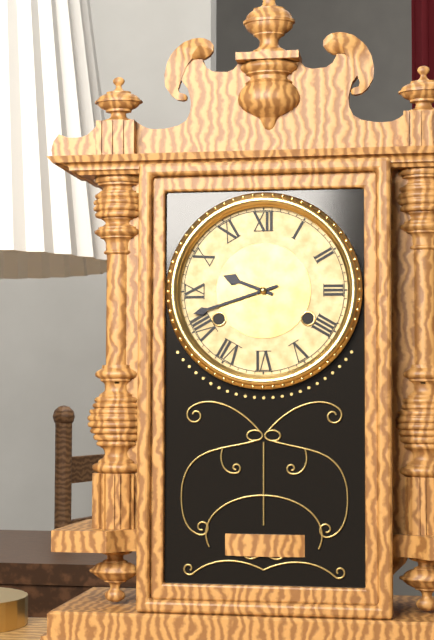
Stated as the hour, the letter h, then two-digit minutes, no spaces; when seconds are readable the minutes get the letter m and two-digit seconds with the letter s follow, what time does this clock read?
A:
9h42
